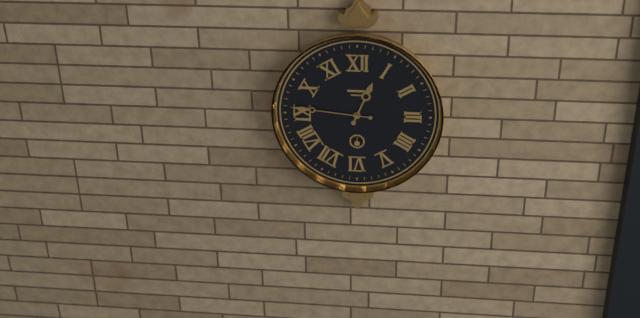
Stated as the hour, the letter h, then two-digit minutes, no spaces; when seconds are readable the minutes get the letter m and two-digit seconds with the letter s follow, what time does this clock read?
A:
12h46
